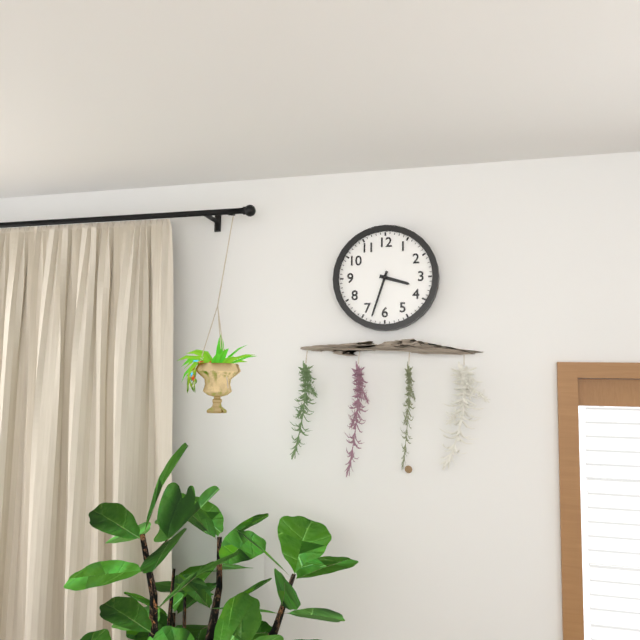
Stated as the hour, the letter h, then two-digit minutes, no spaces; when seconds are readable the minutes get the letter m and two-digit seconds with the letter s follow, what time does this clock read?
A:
3h33
